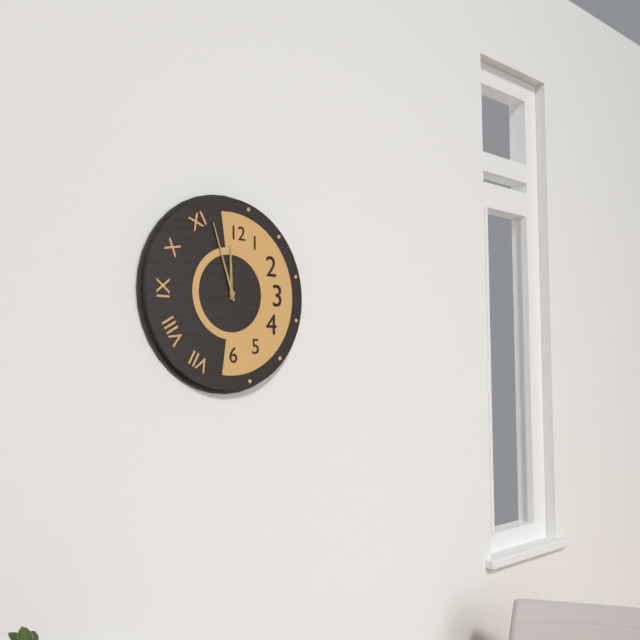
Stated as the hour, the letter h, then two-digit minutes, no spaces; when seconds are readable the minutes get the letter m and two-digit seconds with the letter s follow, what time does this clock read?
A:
11h57
